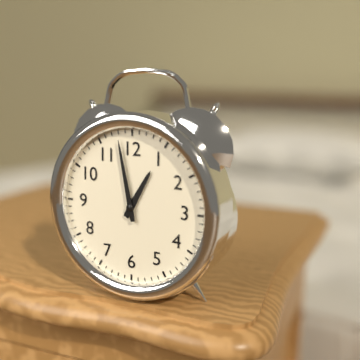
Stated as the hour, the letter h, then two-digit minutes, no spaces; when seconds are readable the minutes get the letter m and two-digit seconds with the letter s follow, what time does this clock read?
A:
12h58
